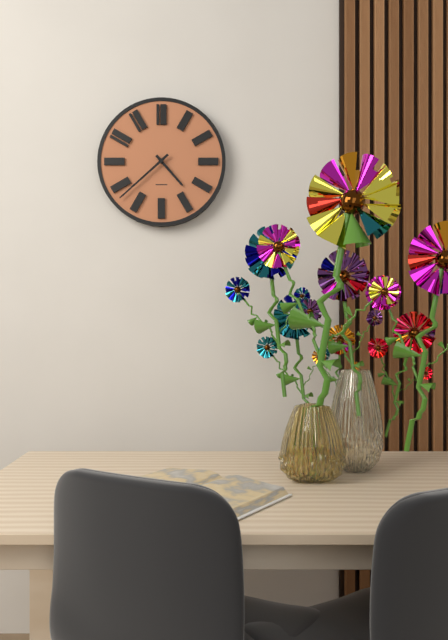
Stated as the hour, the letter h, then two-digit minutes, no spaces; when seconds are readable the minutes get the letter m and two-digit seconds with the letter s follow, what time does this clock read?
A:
4h38
